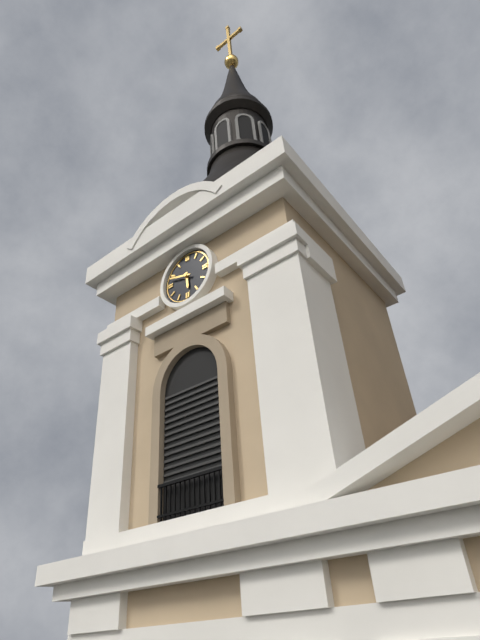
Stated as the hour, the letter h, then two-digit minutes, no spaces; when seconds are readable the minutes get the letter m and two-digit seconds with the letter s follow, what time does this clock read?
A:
5h48
